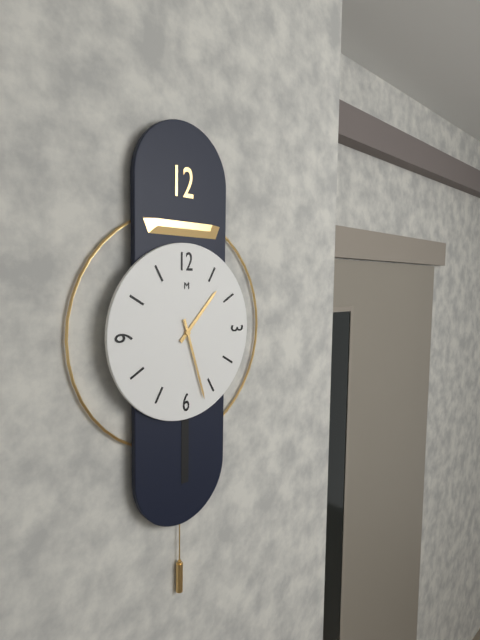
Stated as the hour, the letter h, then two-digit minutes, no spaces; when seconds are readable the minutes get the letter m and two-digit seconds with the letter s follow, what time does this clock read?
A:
1h27
